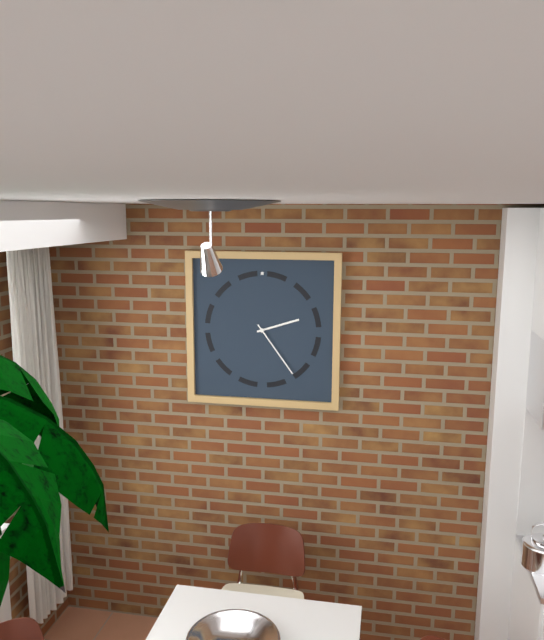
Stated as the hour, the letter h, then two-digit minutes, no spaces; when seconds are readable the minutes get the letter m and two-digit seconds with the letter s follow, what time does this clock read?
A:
2h24
